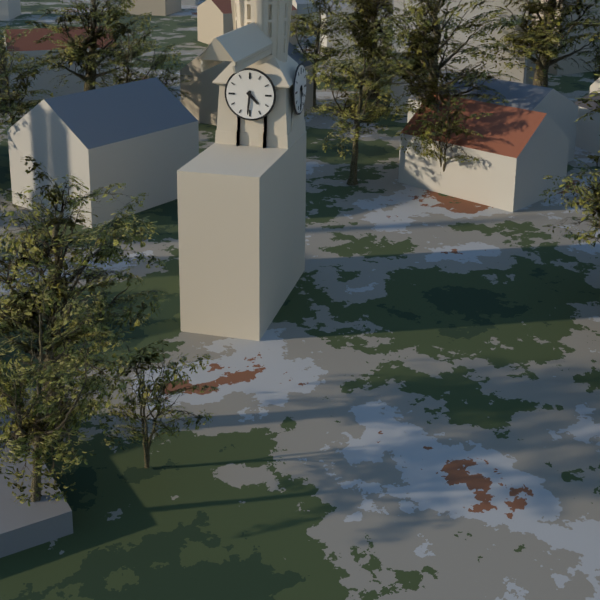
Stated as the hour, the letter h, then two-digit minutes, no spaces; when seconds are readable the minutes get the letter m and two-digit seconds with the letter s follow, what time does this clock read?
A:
4h31
